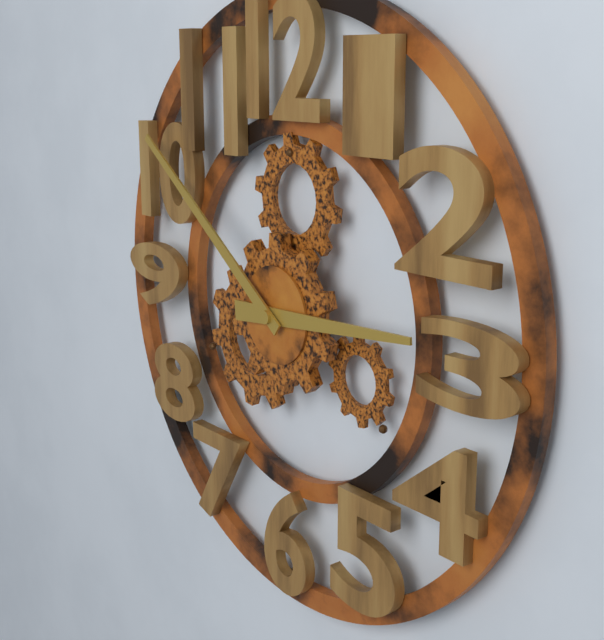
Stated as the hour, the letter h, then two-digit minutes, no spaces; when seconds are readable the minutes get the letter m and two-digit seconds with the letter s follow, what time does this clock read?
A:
2h51
